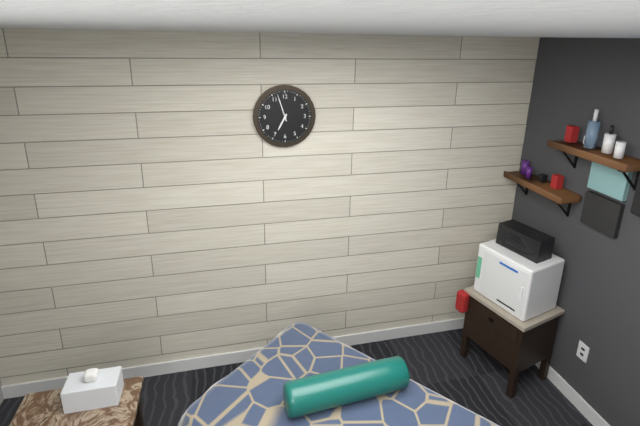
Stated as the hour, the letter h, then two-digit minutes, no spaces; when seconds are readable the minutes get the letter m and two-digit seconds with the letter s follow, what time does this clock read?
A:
6h57
